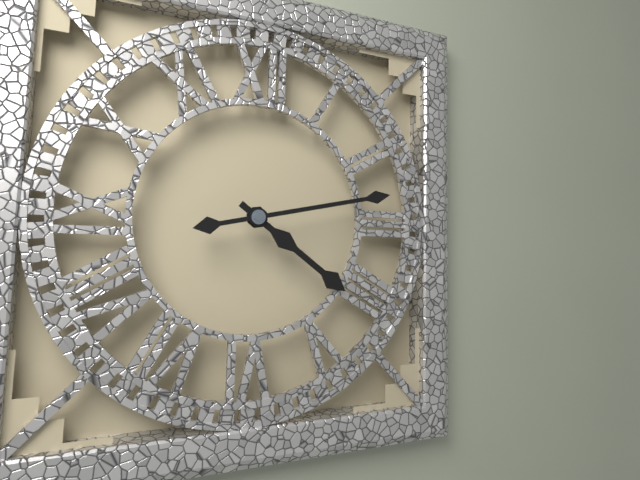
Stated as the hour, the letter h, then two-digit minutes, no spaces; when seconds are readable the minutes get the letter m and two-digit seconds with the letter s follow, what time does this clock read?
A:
4h13
